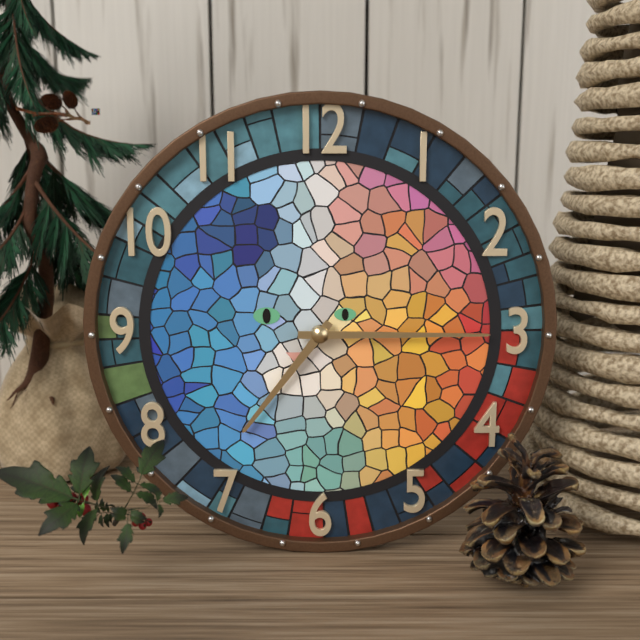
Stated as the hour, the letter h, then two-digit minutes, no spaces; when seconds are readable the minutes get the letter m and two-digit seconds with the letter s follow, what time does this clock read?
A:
7h15
